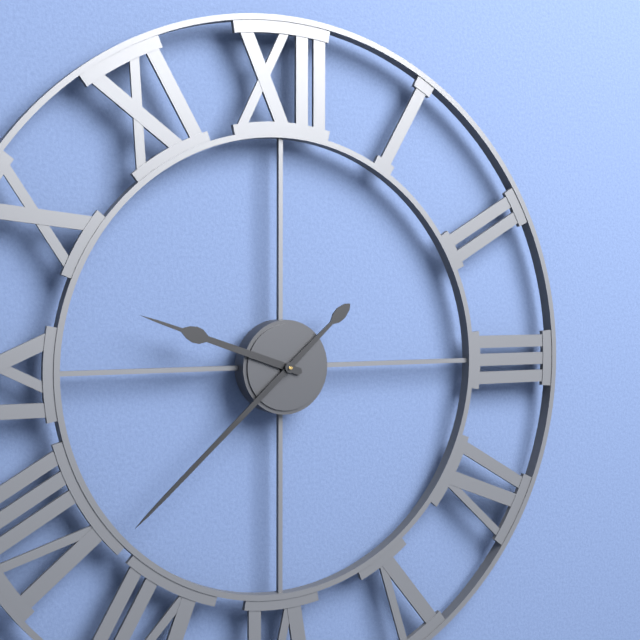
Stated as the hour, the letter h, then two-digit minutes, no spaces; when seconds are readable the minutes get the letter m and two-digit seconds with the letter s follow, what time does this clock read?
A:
9h38
